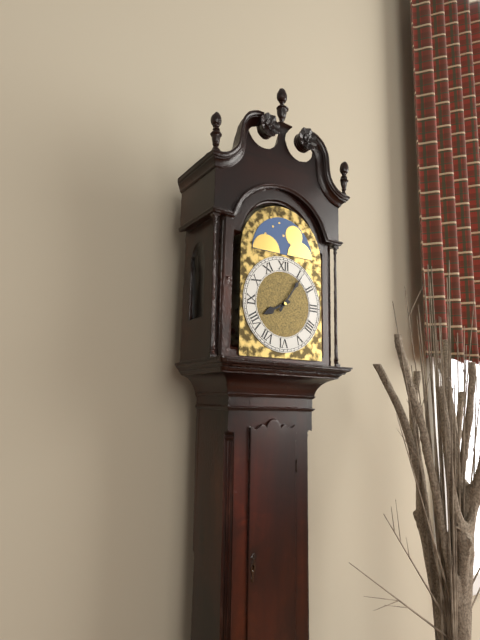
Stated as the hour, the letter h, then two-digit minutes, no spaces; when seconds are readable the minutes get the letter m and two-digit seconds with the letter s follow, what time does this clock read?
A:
8h06
